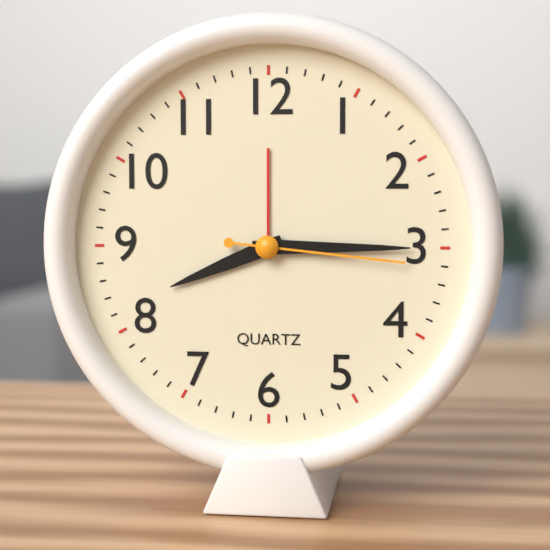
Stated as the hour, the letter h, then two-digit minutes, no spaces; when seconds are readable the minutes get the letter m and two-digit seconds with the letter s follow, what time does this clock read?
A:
8h15m16s
